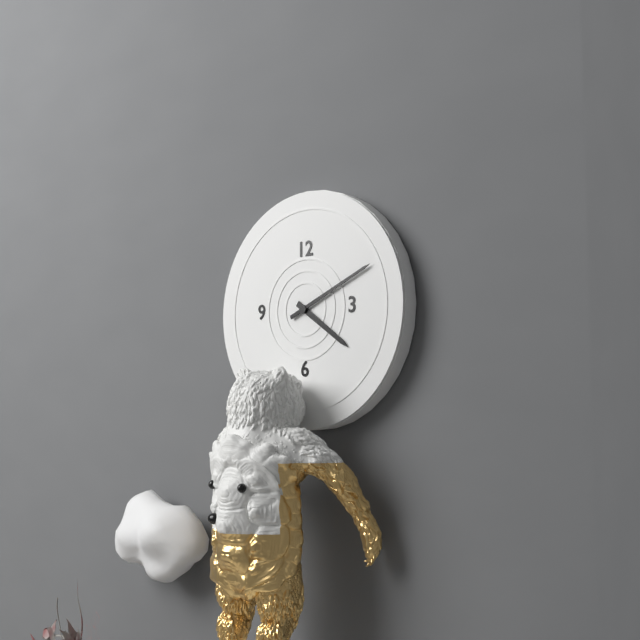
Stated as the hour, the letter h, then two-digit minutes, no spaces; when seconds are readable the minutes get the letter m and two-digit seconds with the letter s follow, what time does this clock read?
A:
4h11
